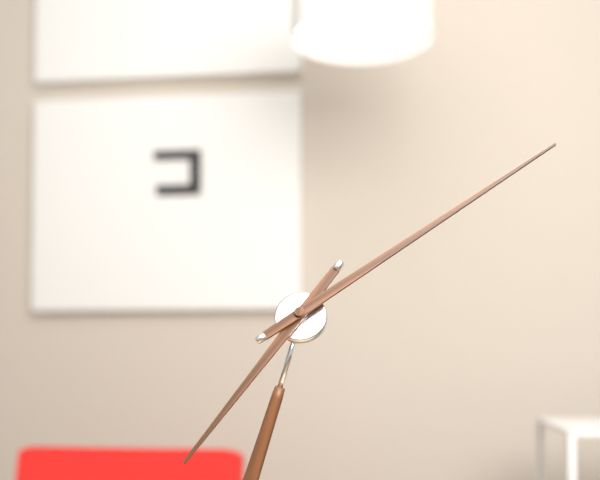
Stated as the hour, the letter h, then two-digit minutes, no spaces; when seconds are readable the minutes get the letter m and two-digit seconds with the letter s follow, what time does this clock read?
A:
7h09
